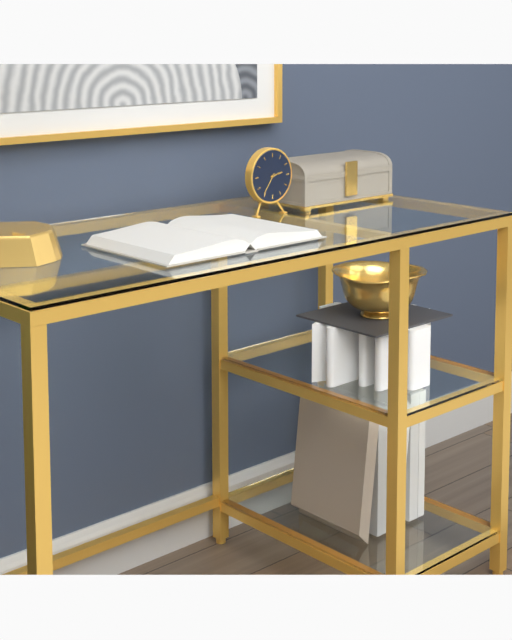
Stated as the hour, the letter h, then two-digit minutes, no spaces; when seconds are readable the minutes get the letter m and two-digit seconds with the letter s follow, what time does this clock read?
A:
2h36
